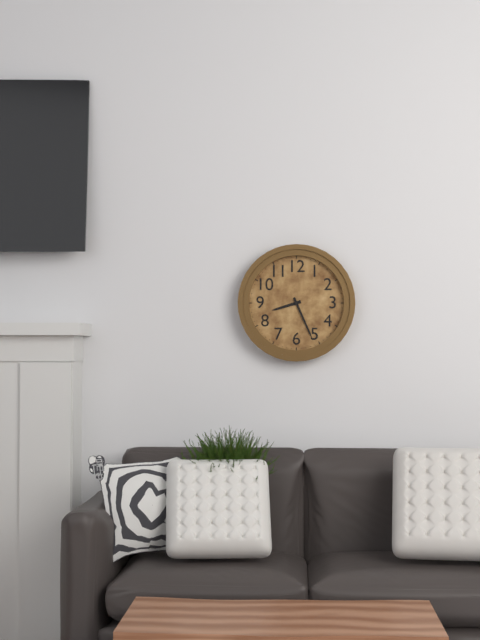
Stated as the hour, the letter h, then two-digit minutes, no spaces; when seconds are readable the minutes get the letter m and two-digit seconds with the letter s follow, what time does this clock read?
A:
8h26
